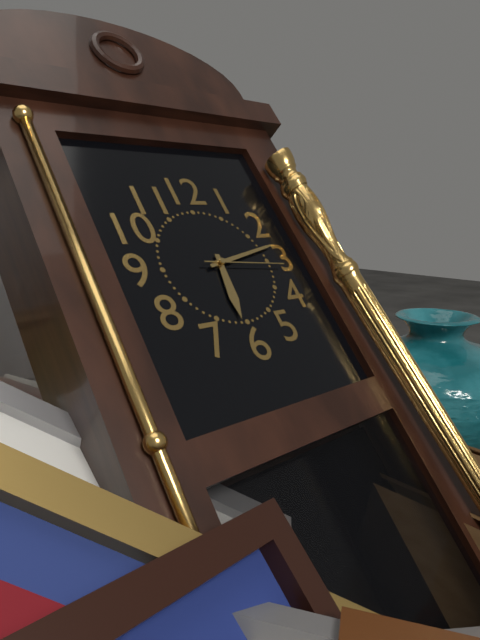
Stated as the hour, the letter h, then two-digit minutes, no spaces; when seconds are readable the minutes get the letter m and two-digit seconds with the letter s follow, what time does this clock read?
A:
6h13m16s
